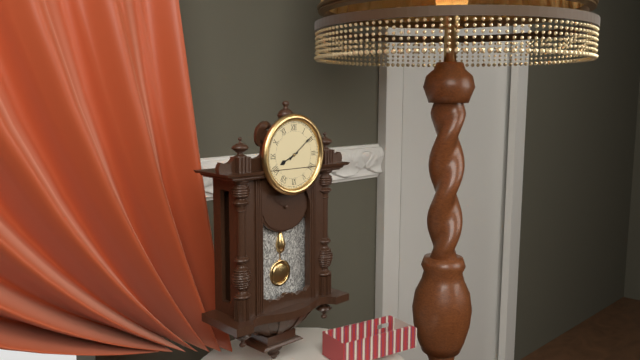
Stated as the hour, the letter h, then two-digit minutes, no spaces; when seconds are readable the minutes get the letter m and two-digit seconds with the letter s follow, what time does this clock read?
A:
8h09
